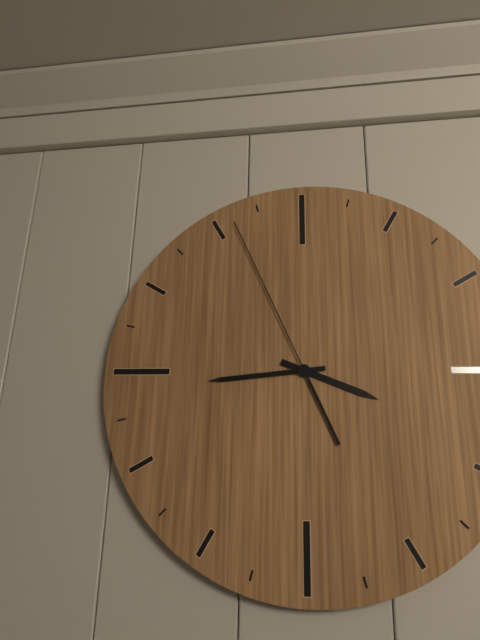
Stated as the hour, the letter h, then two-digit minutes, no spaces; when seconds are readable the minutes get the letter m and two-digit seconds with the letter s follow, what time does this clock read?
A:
3h44m56s
